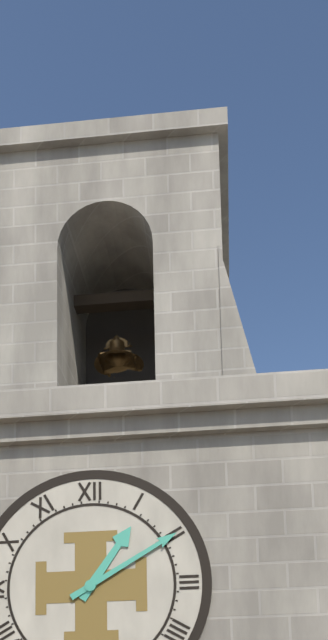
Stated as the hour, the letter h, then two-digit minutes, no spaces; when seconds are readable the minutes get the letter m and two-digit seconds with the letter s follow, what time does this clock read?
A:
1h10
